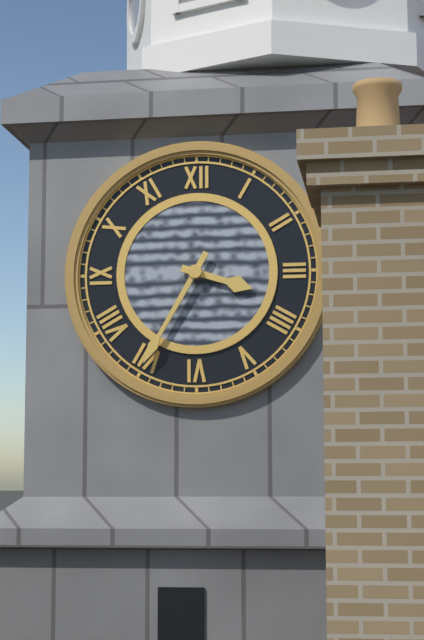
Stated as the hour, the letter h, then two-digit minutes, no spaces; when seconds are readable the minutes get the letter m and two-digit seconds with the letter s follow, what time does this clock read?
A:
3h35
